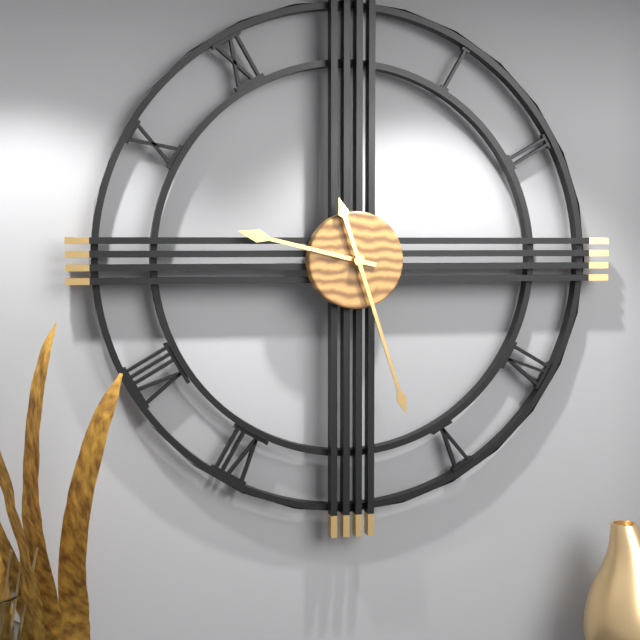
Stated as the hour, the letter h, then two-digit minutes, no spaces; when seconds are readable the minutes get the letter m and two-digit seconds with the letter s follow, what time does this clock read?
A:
9h27
